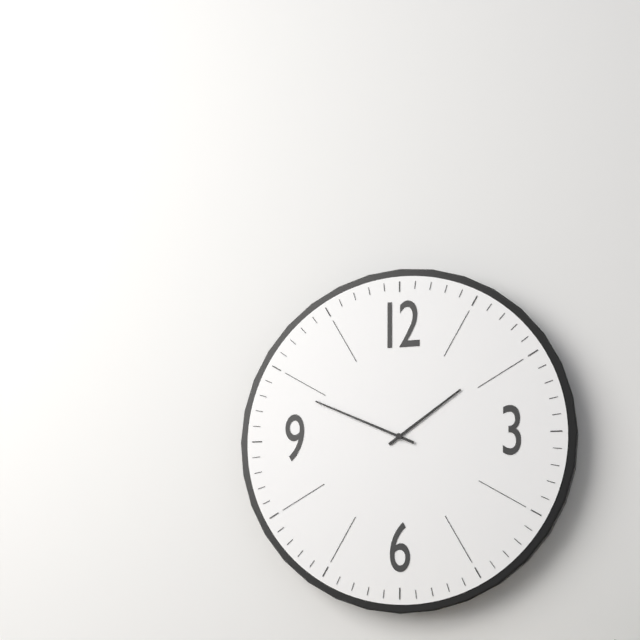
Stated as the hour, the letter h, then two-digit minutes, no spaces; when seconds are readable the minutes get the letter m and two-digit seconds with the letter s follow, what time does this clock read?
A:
1h49
